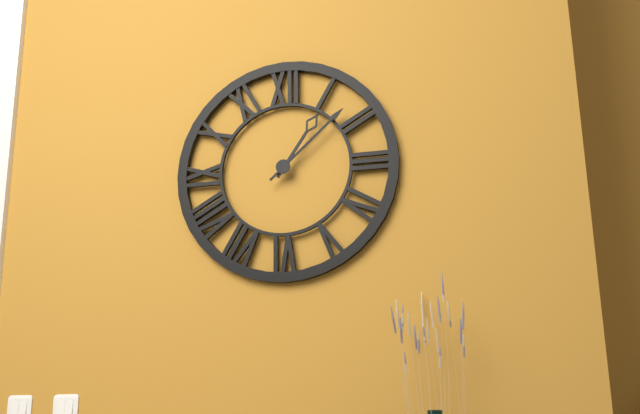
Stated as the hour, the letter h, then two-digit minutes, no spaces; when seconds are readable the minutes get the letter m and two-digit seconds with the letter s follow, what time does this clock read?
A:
1h08
